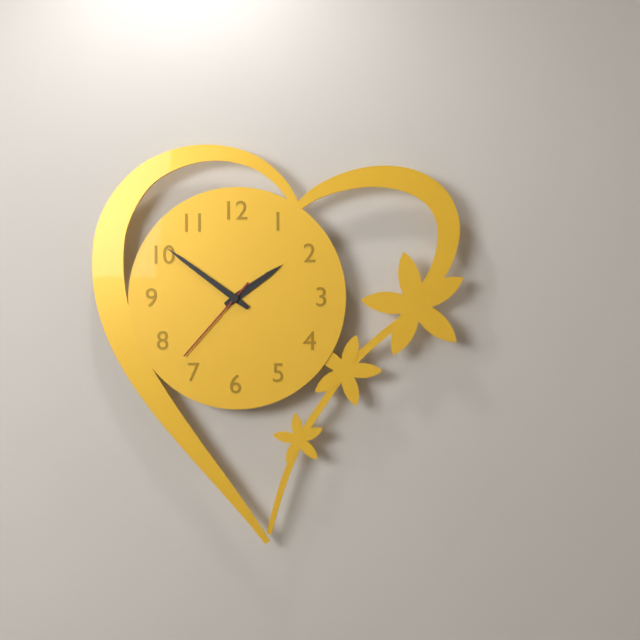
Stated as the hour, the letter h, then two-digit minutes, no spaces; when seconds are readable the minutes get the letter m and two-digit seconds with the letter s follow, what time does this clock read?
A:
1h51m37s
